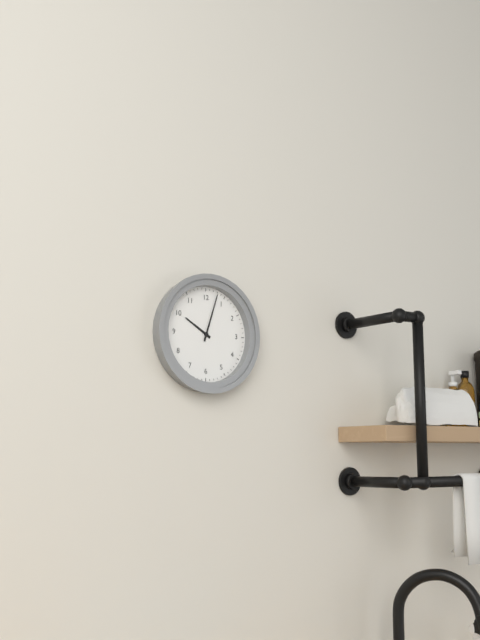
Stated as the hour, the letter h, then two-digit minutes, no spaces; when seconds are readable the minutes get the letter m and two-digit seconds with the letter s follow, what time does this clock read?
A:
10h03
